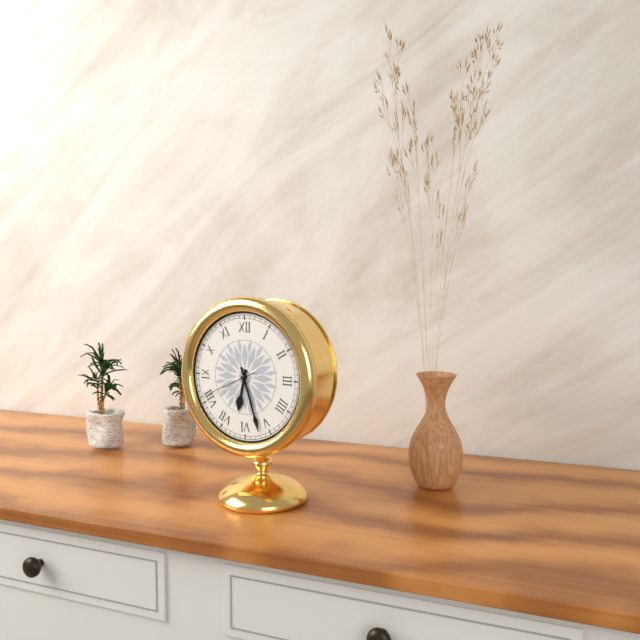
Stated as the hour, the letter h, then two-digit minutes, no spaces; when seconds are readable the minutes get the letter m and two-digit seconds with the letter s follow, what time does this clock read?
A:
6h27m41s
